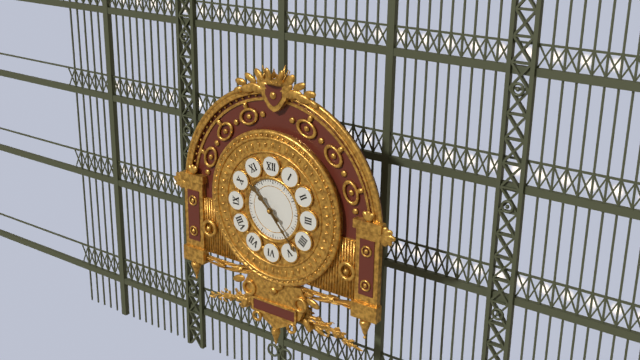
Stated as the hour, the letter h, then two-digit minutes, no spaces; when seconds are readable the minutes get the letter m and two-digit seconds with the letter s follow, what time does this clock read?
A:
10h23
